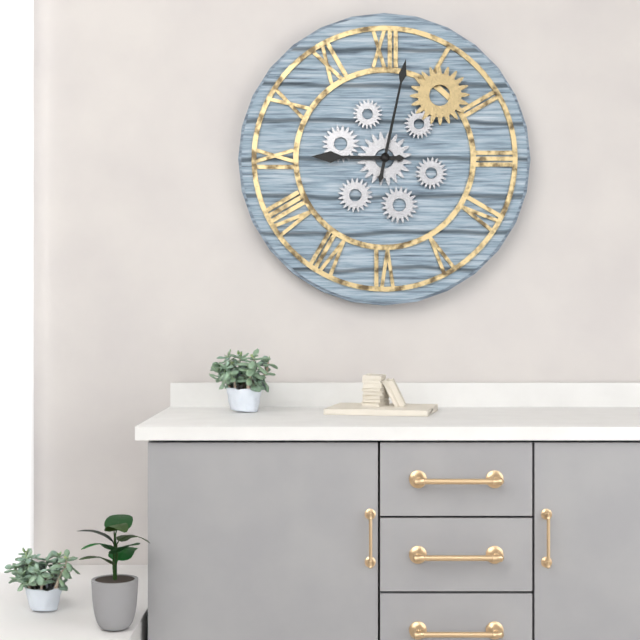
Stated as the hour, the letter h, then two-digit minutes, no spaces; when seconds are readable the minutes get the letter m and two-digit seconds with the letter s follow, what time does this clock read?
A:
9h02
